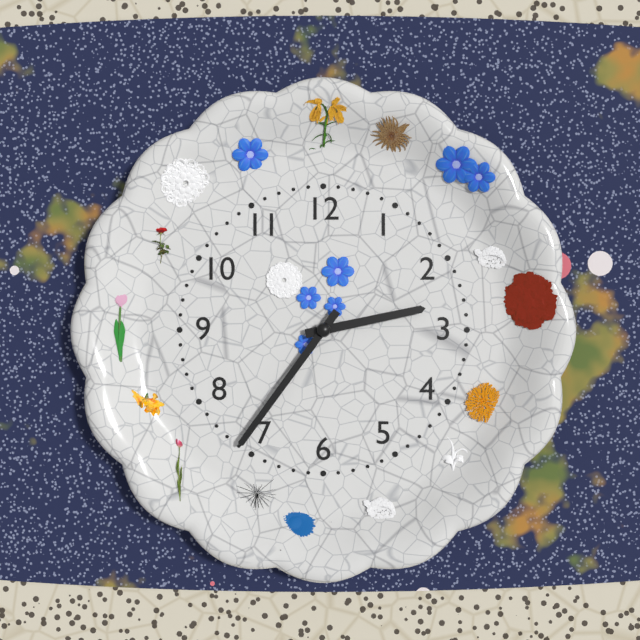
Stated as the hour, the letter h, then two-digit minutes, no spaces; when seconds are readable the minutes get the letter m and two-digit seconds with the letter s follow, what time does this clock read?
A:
2h36
